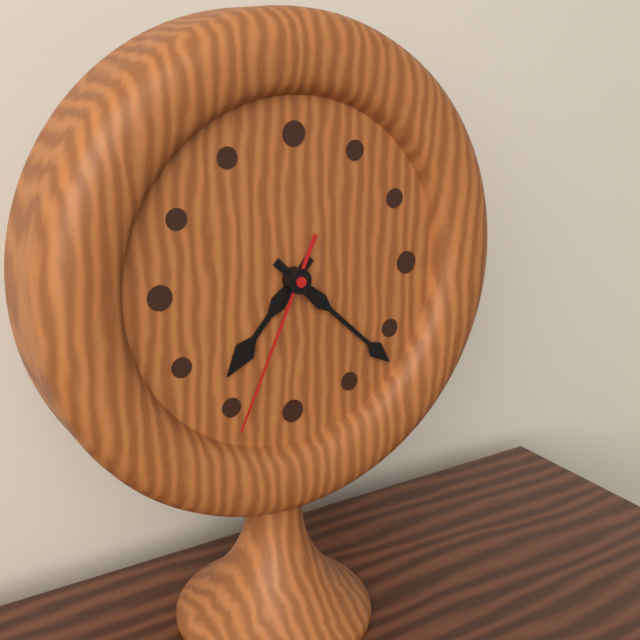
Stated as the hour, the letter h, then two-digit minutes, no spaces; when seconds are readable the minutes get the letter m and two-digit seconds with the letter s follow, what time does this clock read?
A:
7h22m34s
